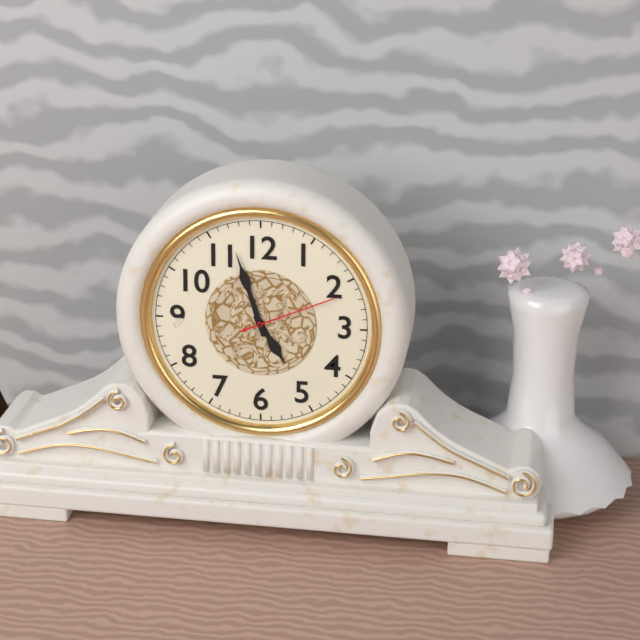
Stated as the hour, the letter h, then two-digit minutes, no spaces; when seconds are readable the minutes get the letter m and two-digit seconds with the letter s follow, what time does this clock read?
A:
4h57m11s
